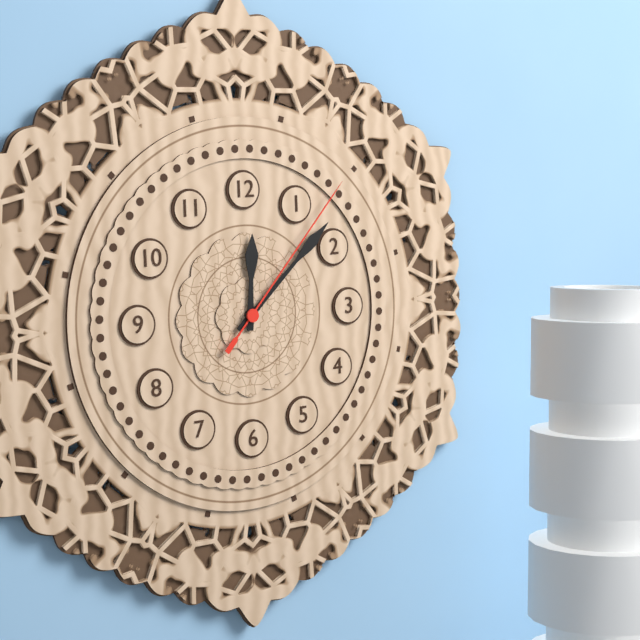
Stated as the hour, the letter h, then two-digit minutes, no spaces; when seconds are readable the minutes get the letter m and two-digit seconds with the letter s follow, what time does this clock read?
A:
12h08m07s
